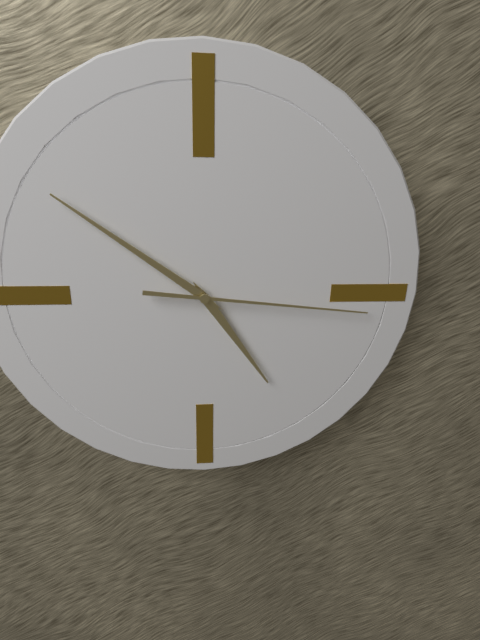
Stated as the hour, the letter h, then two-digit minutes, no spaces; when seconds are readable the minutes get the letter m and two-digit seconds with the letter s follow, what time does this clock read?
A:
4h51m16s
